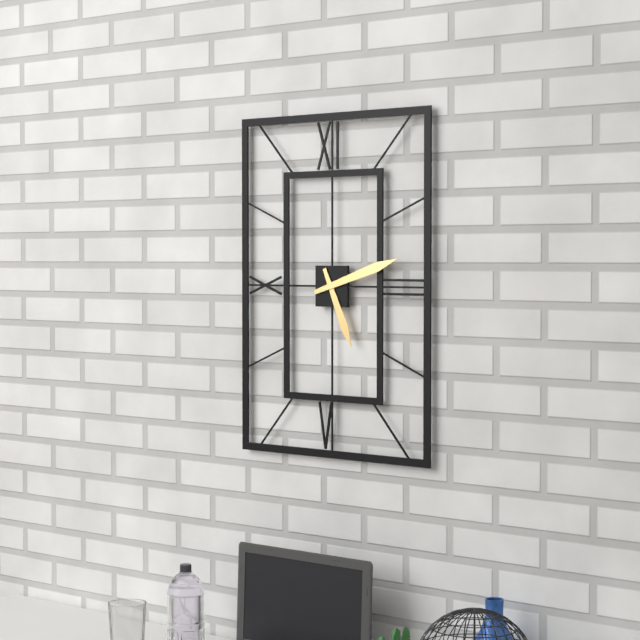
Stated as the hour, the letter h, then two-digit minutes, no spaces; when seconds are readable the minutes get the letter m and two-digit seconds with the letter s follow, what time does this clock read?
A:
5h12
